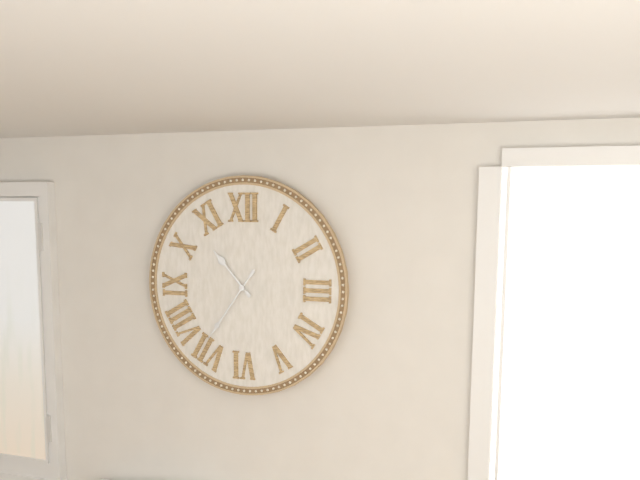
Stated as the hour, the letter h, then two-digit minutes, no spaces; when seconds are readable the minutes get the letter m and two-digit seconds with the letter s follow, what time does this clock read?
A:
10h36
